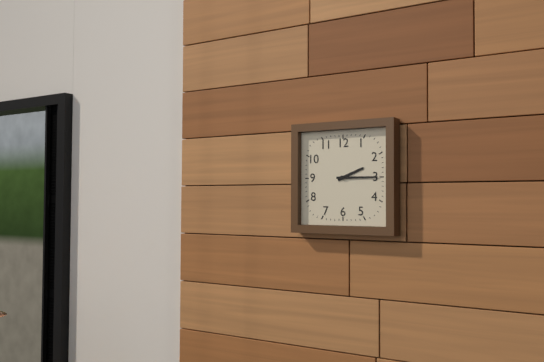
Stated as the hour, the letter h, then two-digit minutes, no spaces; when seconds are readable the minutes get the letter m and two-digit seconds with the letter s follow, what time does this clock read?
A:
2h15
